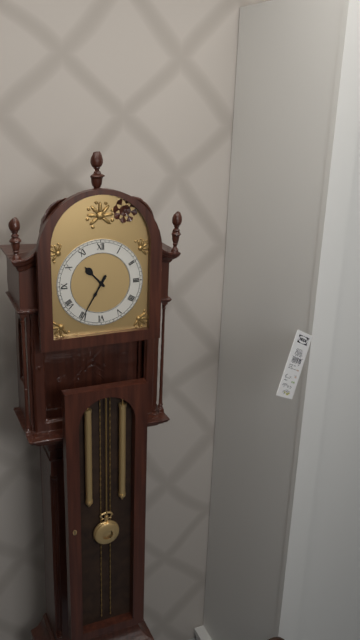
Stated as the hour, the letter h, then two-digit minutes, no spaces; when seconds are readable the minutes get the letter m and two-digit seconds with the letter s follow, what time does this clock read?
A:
10h35
